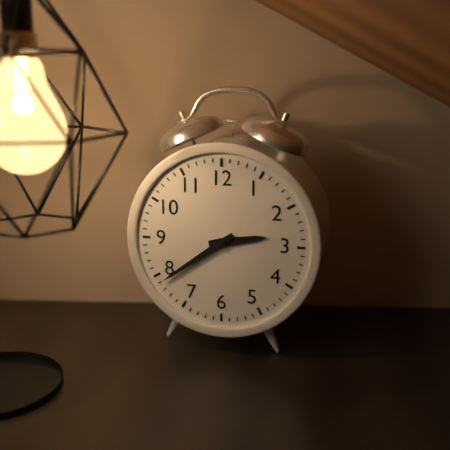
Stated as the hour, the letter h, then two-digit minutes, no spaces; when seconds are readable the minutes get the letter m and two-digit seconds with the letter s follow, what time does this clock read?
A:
2h39
